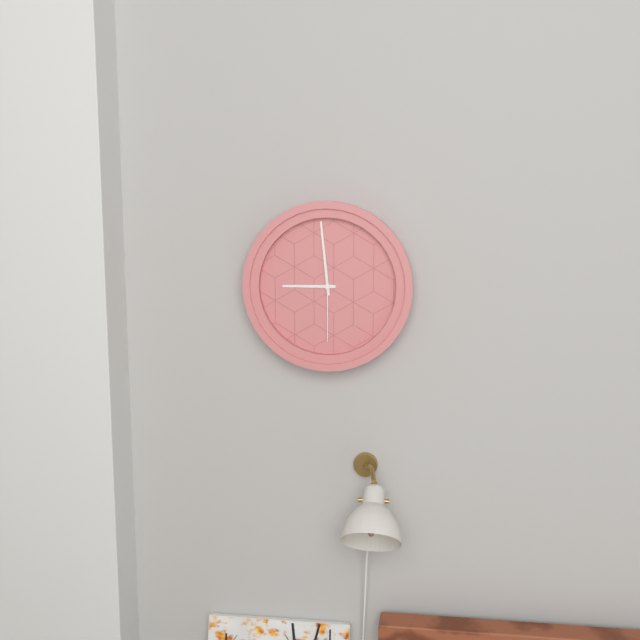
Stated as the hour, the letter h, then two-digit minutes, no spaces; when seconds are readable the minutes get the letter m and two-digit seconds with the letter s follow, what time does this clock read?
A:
8h59m30s
